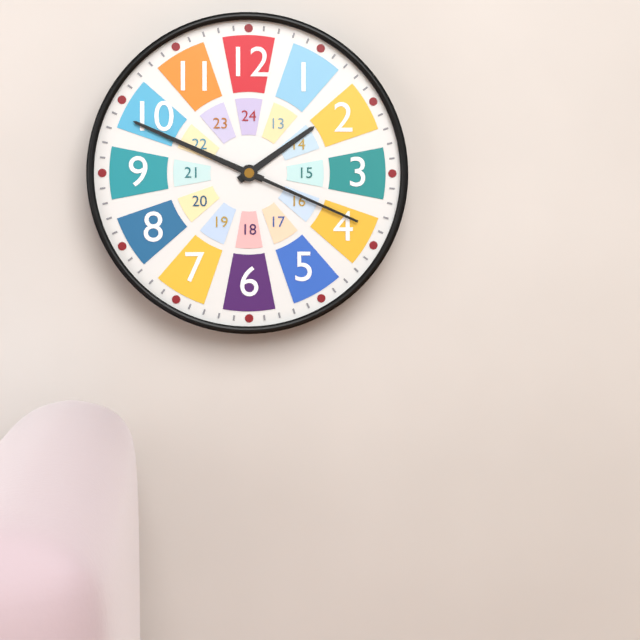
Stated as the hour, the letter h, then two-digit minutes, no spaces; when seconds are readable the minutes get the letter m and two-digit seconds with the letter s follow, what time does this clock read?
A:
1h49m19s
